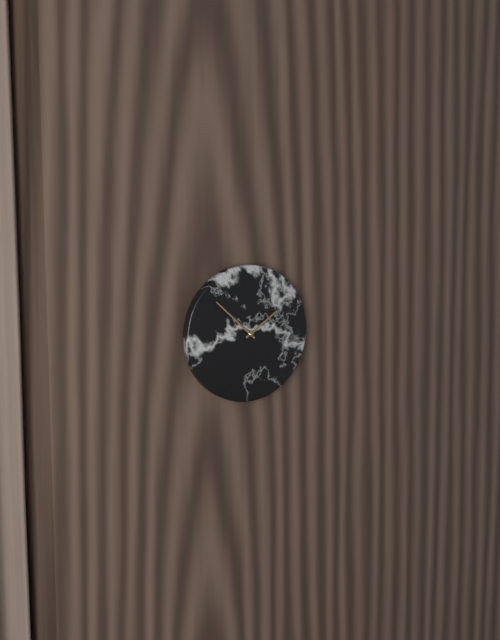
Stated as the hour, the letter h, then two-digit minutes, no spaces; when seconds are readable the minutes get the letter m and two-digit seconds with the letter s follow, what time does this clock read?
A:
1h52
